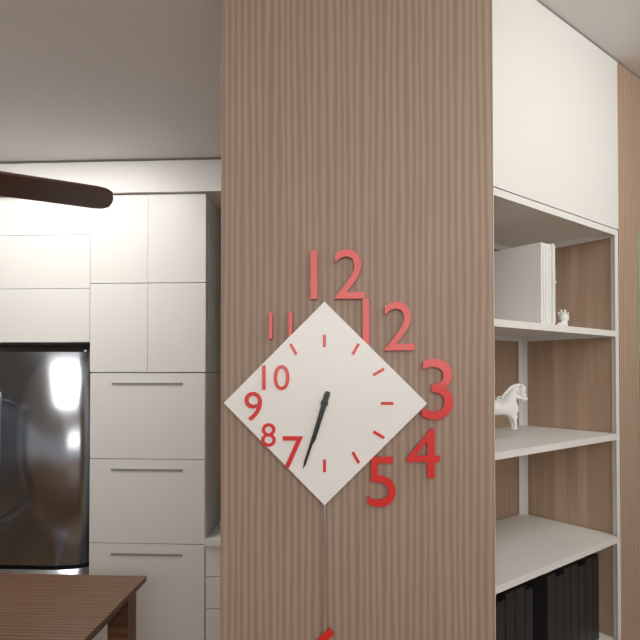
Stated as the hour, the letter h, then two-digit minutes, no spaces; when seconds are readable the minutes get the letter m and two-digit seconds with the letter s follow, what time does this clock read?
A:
6h33
